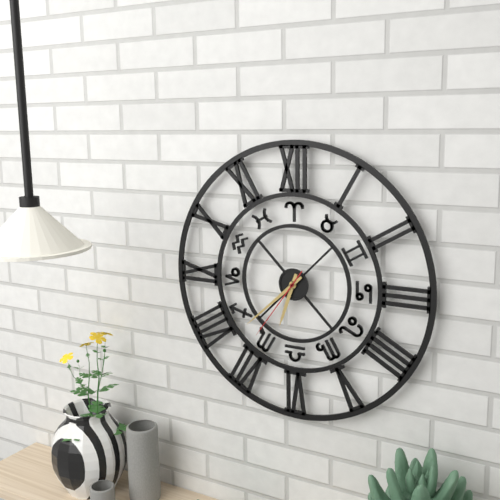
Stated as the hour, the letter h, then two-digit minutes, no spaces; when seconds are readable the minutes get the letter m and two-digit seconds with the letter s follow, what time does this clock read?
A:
6h38m36s
